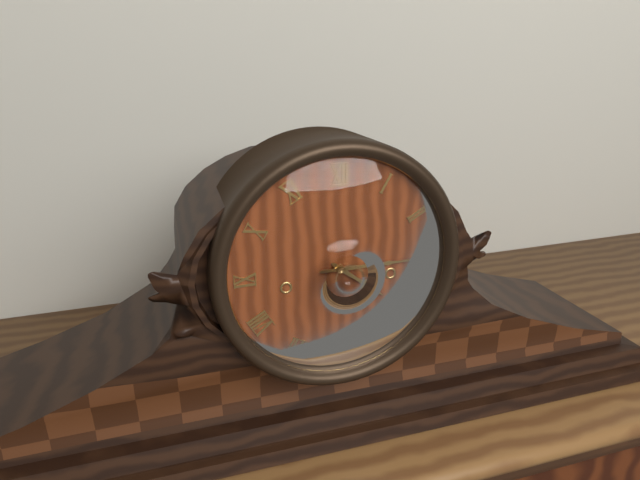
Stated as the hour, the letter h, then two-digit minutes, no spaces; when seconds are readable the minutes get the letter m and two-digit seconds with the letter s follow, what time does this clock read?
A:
4h15
